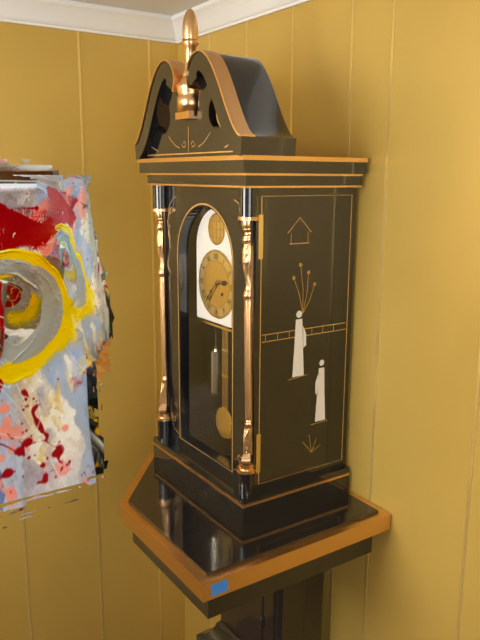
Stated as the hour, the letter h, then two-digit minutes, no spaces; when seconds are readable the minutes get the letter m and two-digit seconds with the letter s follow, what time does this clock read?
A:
2h37
